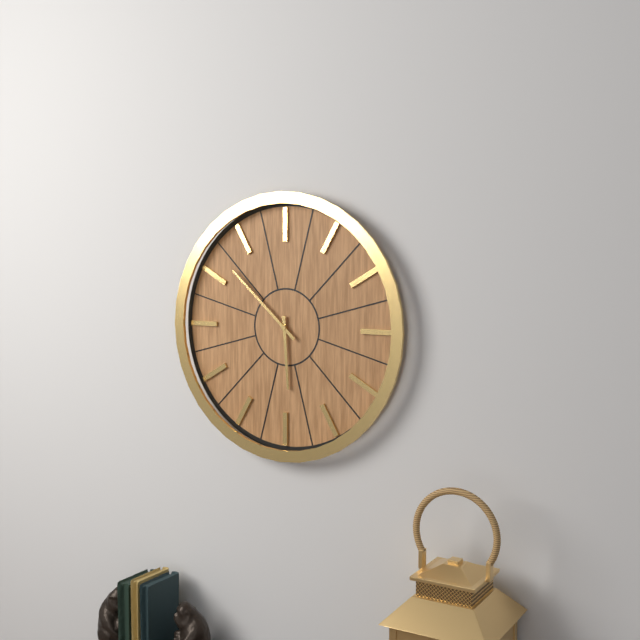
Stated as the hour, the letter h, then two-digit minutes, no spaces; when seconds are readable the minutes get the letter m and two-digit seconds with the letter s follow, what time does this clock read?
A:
5h52
